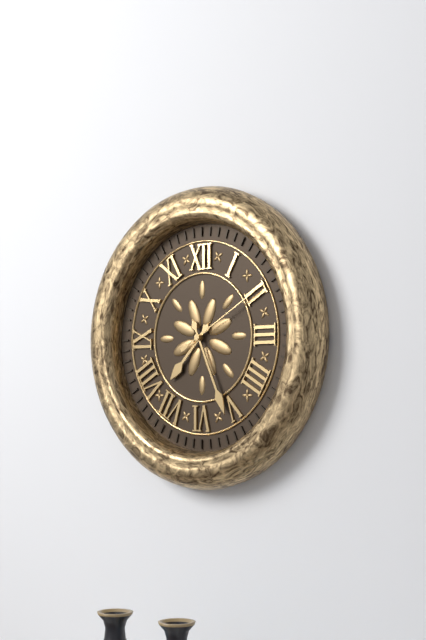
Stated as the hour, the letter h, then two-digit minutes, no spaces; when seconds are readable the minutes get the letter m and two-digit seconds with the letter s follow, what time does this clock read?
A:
7h26m10s
